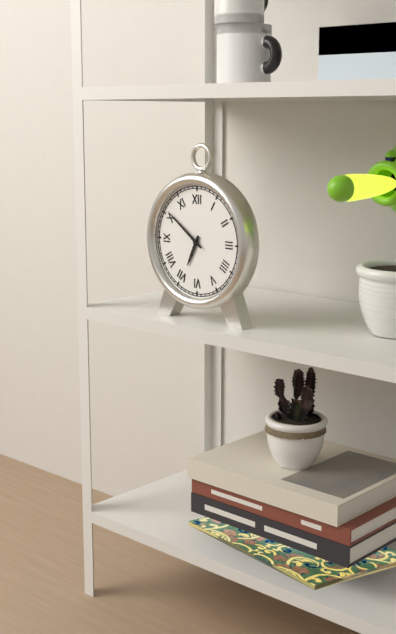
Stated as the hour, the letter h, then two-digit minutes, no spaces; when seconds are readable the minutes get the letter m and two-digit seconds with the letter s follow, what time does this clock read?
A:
6h51
